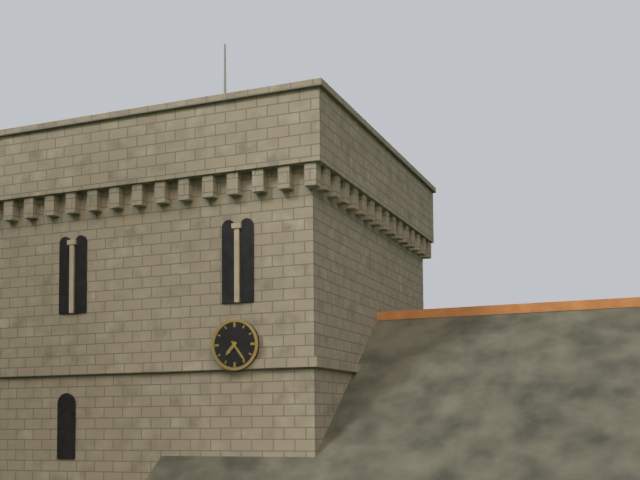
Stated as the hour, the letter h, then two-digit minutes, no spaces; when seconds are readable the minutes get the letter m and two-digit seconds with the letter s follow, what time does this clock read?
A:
7h24
